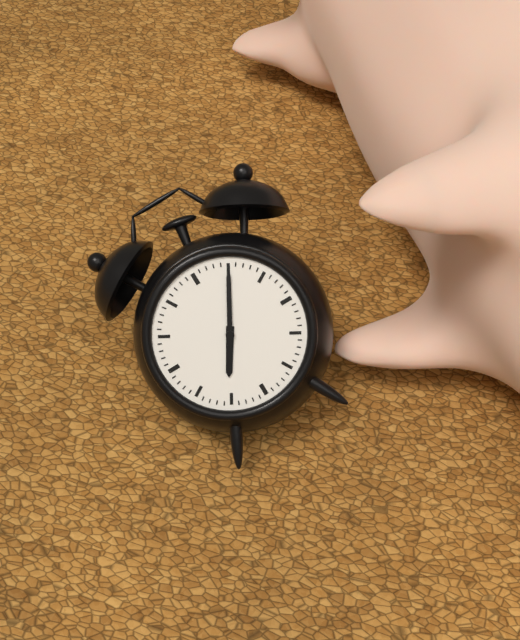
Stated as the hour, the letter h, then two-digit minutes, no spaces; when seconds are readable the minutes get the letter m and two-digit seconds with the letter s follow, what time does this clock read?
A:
7h05
